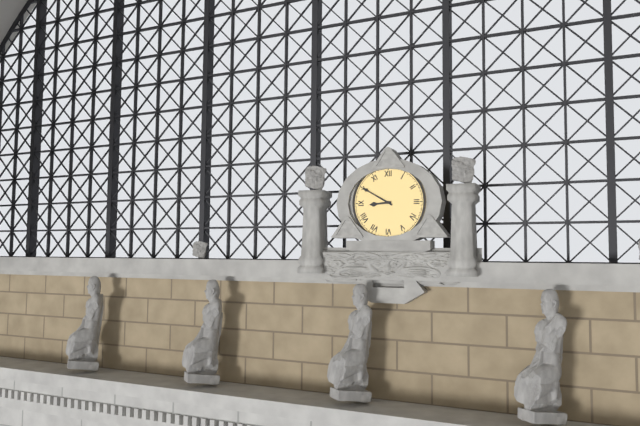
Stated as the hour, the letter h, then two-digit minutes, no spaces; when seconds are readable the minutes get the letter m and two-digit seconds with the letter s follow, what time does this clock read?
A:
8h50
